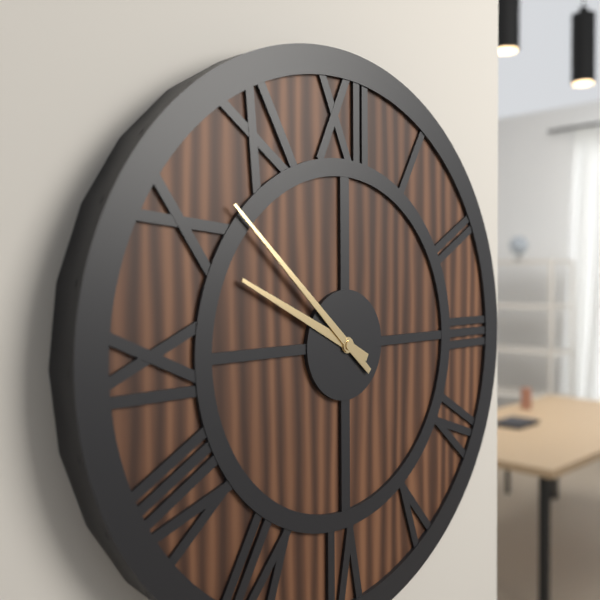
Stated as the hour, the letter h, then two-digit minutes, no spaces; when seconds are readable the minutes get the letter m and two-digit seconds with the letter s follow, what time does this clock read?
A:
9h52
